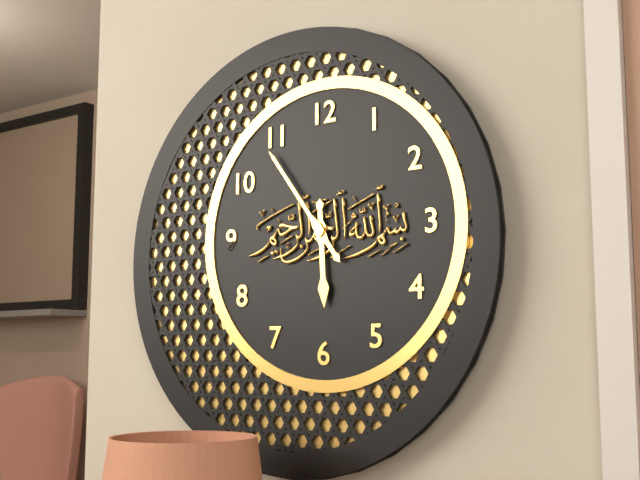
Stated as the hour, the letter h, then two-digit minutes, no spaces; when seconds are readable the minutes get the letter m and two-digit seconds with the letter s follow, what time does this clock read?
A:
5h54
